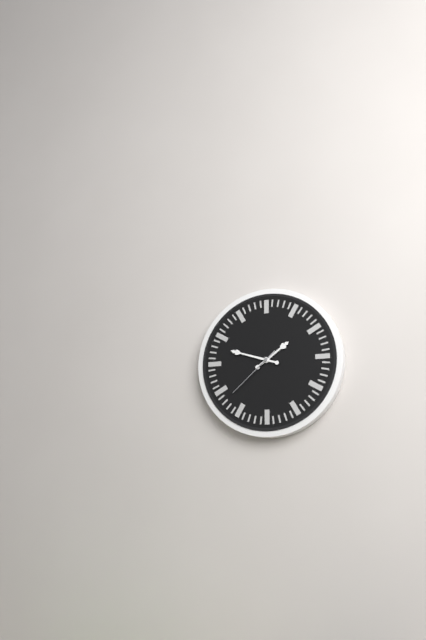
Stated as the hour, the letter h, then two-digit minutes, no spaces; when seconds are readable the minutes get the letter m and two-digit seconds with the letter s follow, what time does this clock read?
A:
1h48m38s
